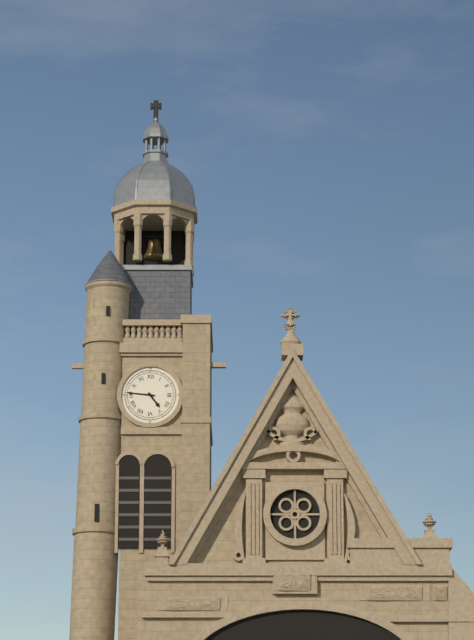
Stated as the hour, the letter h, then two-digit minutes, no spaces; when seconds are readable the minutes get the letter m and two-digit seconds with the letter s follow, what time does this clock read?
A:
4h46
